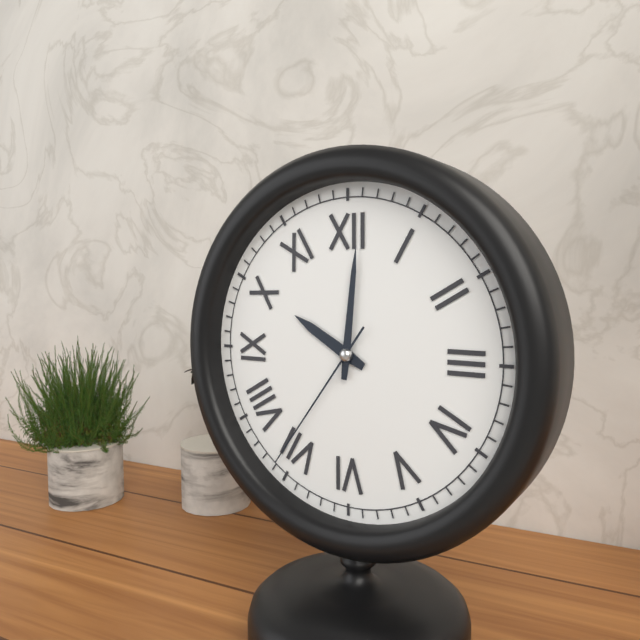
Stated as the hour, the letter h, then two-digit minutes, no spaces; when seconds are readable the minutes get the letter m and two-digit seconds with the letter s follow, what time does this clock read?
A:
10h01m36s
